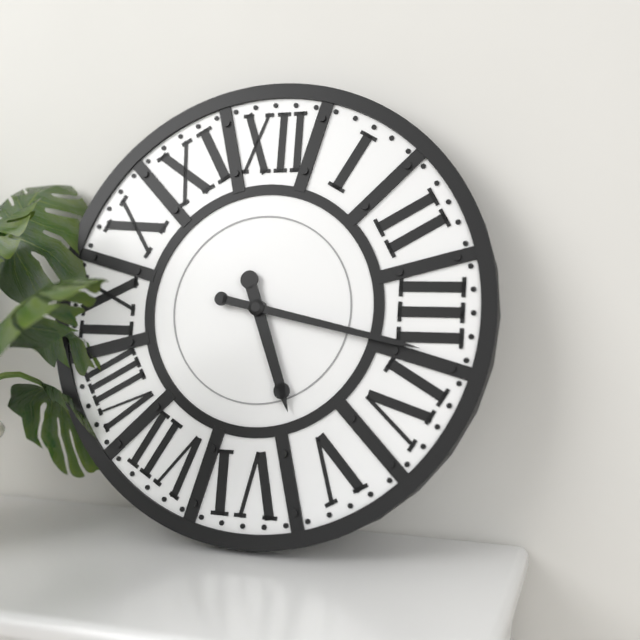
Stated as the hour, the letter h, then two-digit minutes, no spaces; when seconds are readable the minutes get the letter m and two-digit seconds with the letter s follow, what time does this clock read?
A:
5h17
